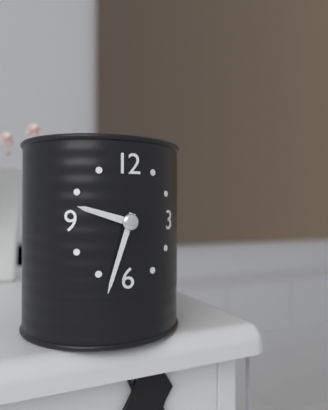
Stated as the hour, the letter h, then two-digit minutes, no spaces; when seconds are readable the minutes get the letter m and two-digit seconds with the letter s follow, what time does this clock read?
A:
9h33
